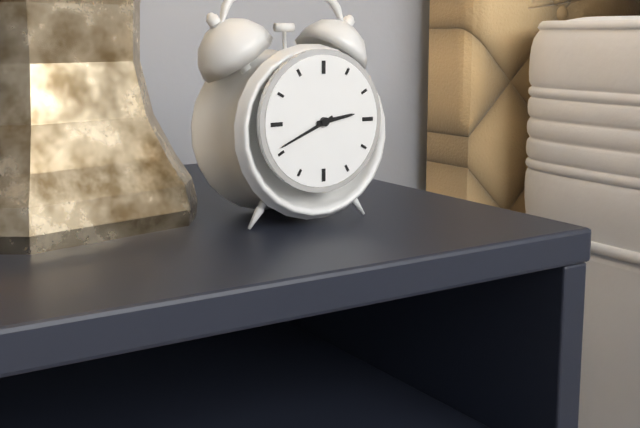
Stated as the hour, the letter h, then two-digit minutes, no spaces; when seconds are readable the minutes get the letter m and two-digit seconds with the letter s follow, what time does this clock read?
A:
2h41
